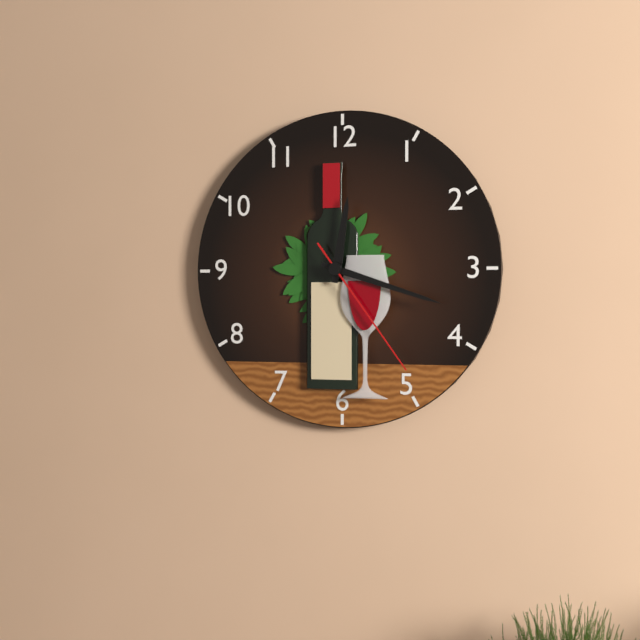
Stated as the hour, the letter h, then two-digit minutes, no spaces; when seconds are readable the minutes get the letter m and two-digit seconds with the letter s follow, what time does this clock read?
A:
12h18m24s
